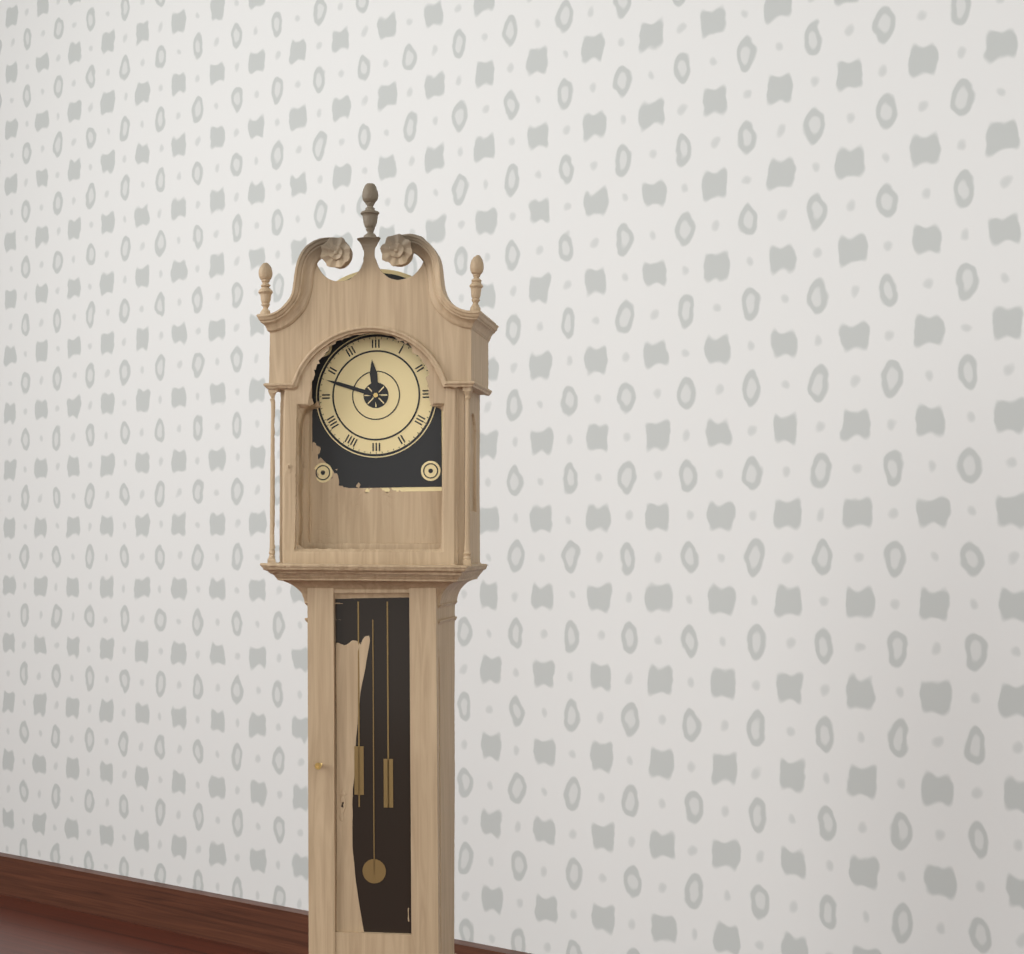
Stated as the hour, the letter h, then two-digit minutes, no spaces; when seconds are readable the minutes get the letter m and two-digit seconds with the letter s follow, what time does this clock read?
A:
11h48
